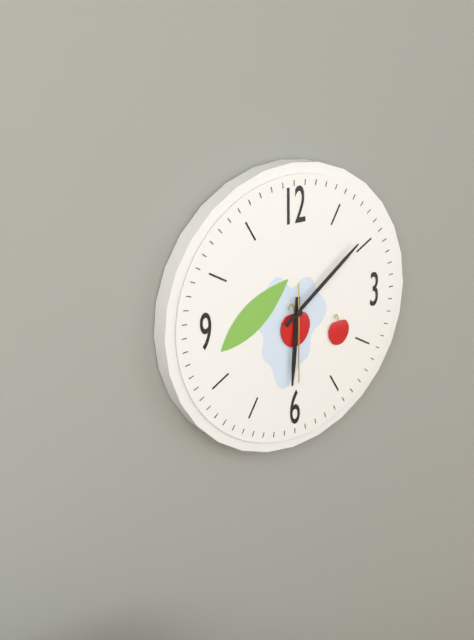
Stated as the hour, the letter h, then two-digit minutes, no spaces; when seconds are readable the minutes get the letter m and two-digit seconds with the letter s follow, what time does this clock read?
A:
6h09m30s
